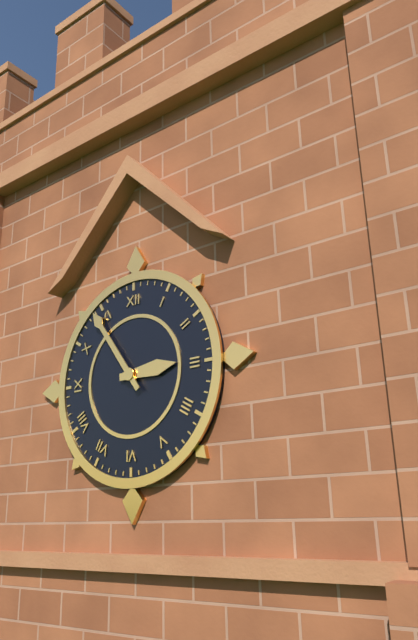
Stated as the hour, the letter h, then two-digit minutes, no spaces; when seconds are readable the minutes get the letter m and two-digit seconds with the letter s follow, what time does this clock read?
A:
2h54
